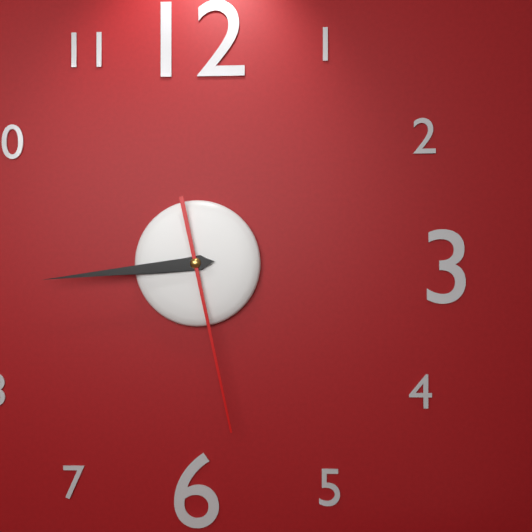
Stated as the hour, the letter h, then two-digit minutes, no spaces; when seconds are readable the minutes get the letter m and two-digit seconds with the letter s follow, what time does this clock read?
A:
8h44m28s
